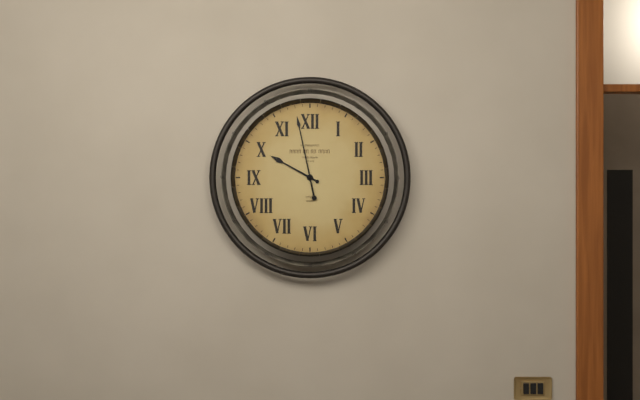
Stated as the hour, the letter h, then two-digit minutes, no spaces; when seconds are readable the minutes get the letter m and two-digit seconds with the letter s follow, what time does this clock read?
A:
9h58
